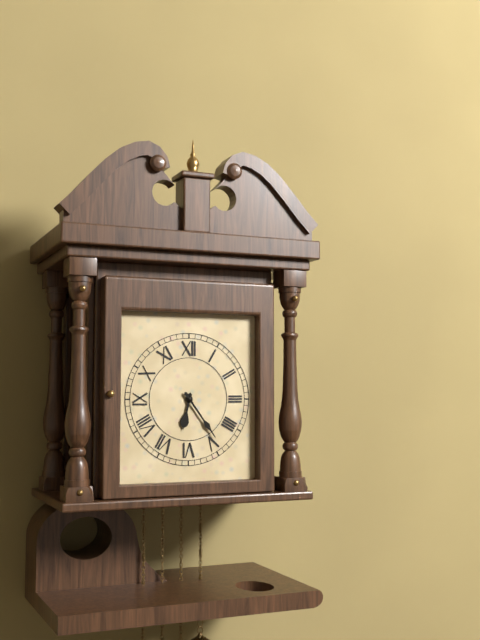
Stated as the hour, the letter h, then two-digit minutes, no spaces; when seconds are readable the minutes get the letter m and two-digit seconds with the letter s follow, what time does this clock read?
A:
6h24
